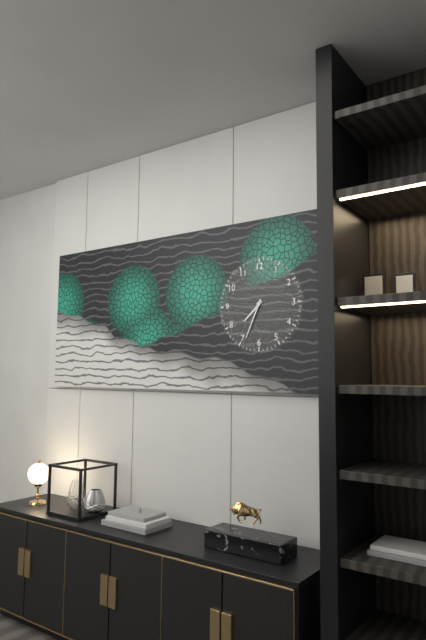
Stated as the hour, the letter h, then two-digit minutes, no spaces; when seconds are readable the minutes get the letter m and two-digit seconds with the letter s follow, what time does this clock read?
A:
7h34
